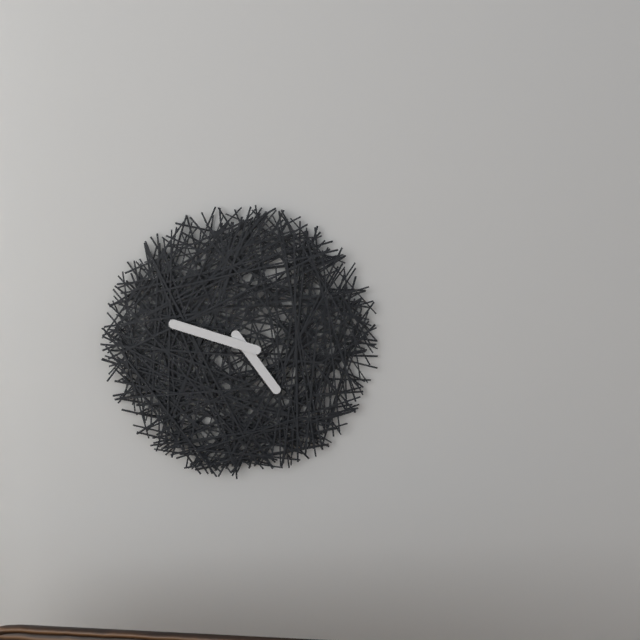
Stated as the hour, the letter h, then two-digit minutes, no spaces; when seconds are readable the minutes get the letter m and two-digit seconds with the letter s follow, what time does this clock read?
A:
4h48
